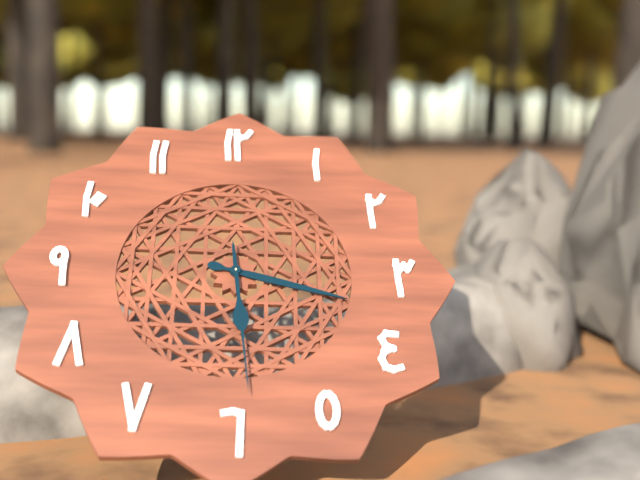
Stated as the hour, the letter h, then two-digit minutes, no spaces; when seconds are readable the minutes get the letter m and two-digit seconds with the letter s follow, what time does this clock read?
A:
3h29
